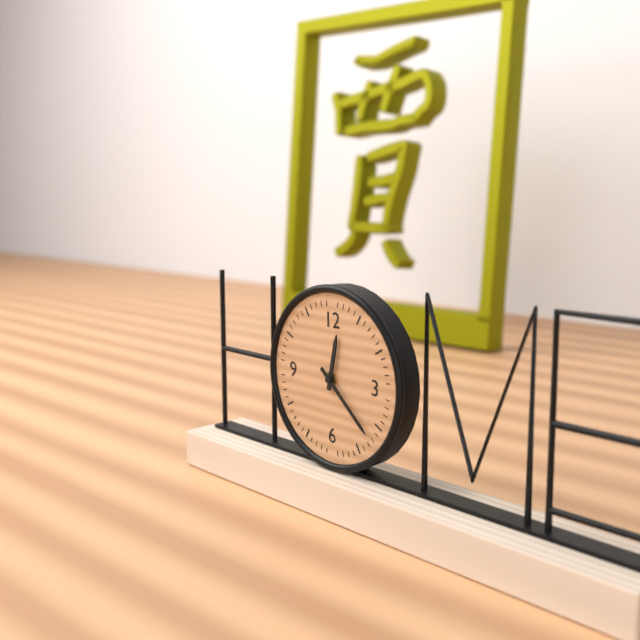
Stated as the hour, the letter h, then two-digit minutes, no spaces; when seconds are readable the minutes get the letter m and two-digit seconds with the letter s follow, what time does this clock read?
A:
12h22
